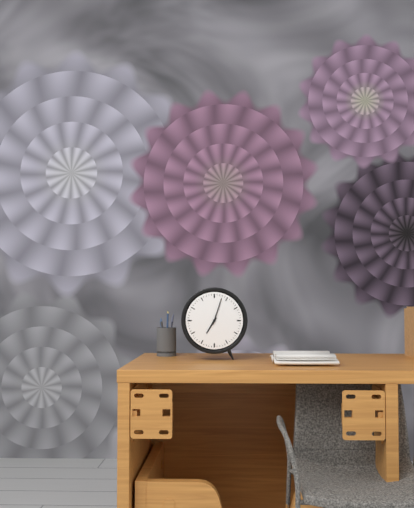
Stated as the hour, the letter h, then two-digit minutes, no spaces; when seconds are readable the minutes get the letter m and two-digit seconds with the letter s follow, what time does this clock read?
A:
7h03
